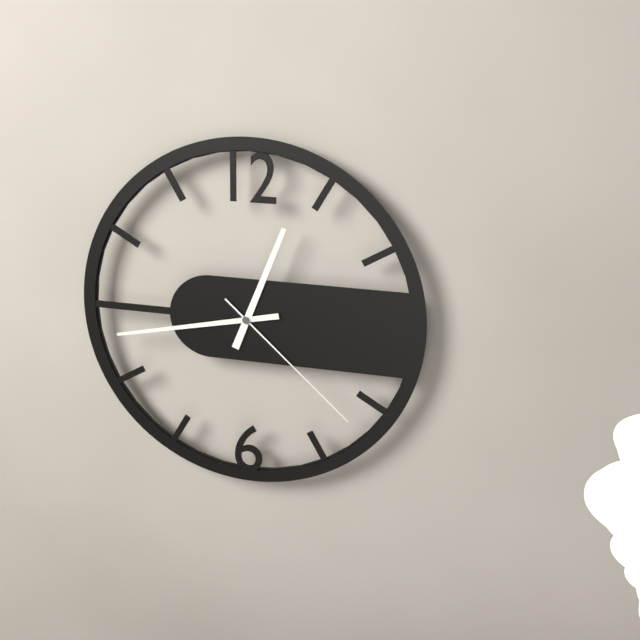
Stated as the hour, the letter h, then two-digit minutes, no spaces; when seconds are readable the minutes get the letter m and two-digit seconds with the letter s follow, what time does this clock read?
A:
12h43m22s
